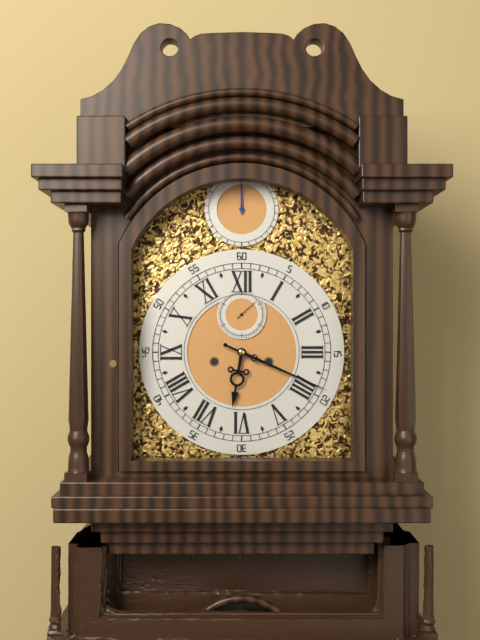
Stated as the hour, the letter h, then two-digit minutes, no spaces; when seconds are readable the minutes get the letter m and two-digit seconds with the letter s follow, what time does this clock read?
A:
6h19
